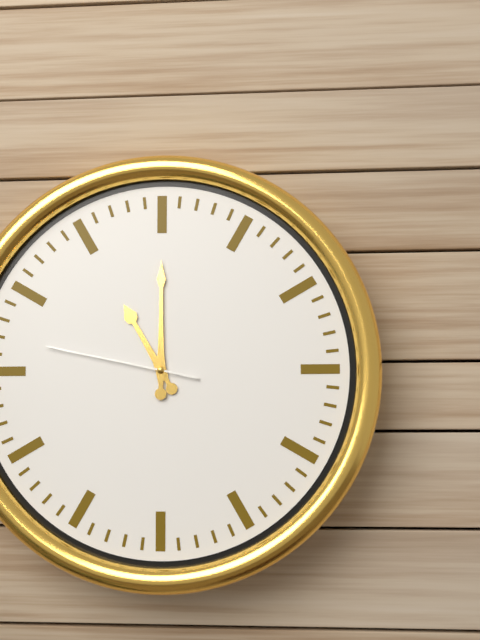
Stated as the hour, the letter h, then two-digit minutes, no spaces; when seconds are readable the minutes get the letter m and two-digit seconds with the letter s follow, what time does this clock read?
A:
11h00m47s
